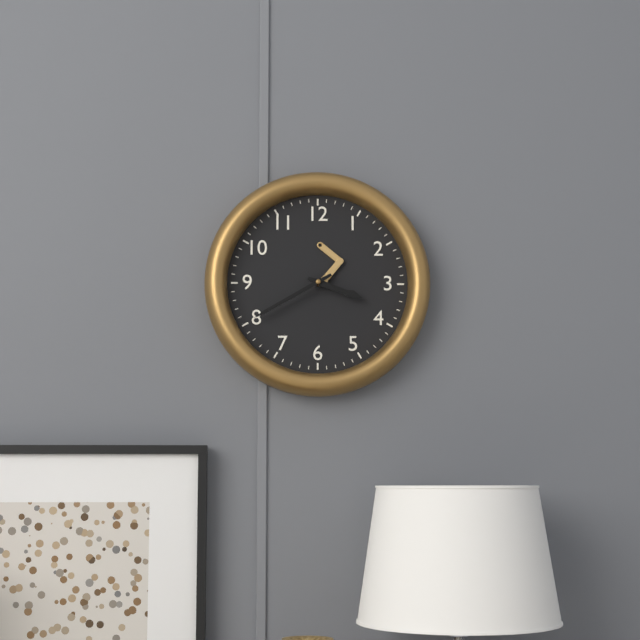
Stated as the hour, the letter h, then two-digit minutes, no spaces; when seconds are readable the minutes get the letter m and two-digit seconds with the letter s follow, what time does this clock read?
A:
3h40
